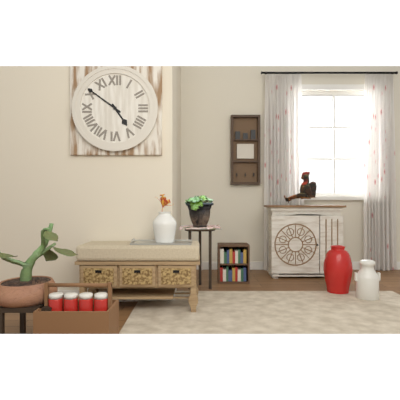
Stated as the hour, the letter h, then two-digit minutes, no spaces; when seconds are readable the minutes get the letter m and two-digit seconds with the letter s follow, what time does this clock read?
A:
4h51
